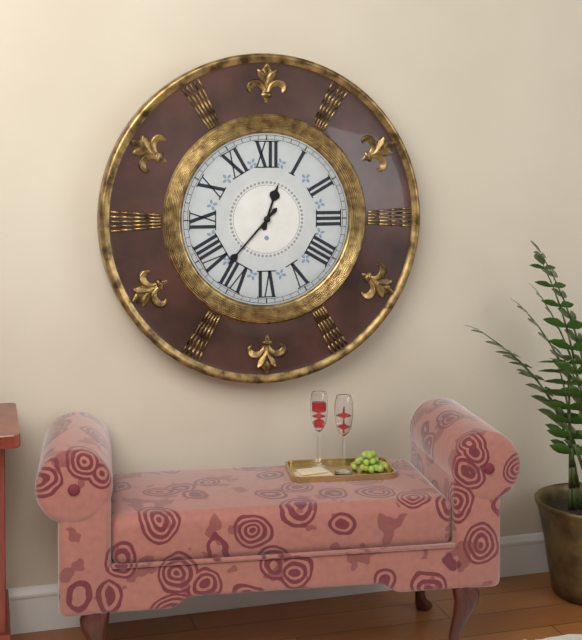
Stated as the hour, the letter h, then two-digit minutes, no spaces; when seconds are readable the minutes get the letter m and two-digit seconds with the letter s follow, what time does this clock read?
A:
12h37
